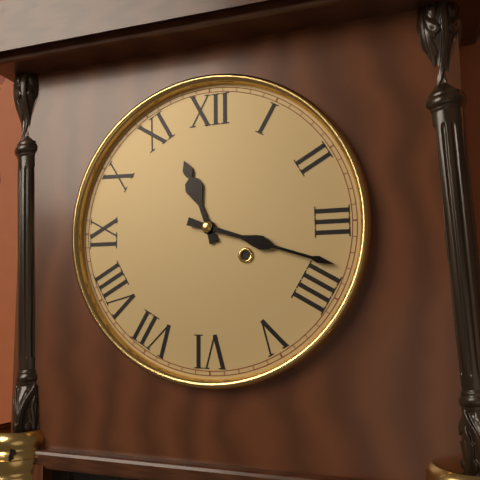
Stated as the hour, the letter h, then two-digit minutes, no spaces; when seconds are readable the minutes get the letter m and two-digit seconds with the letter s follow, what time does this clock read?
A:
11h18
